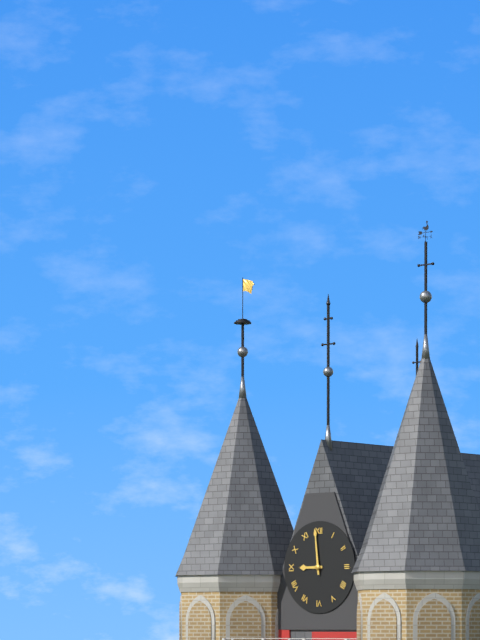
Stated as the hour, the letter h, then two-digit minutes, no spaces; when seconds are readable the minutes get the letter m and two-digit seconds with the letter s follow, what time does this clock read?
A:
8h59
